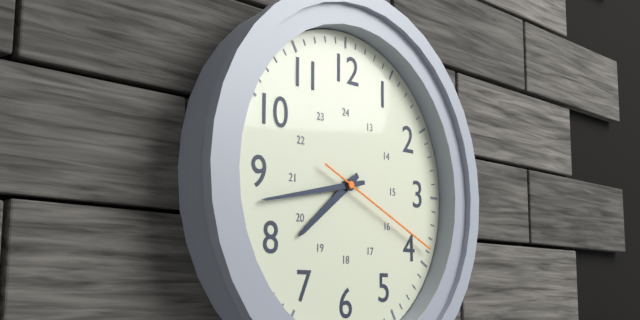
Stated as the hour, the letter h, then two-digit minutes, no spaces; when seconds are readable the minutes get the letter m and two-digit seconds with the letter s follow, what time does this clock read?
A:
7h43m19s
